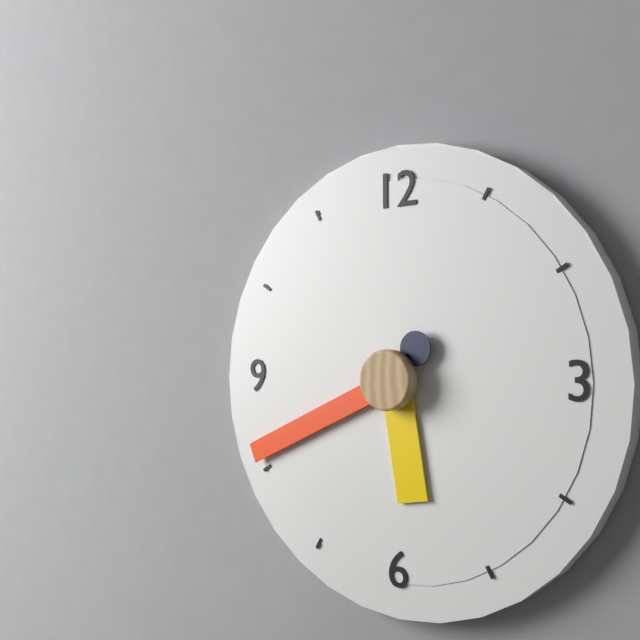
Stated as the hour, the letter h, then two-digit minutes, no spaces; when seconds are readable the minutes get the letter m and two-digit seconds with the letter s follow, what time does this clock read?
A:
5h41m07s
